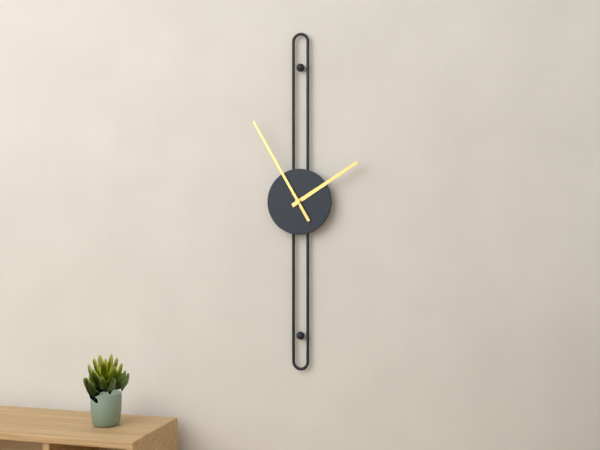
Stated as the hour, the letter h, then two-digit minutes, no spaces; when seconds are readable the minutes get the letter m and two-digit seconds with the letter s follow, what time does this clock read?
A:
1h55
